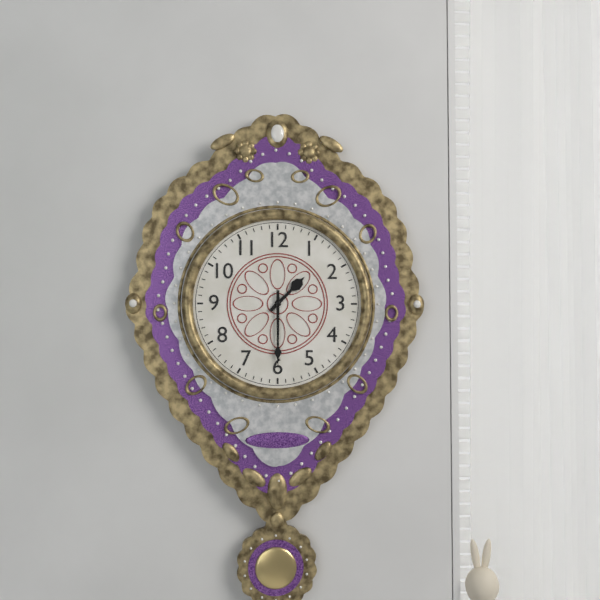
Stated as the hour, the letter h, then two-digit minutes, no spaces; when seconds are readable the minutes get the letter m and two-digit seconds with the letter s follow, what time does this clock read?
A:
1h30
